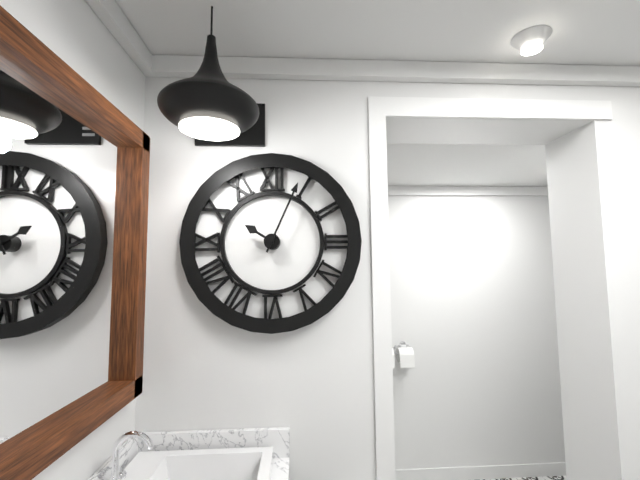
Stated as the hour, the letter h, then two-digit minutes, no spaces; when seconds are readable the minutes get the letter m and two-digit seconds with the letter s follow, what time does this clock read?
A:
10h04
